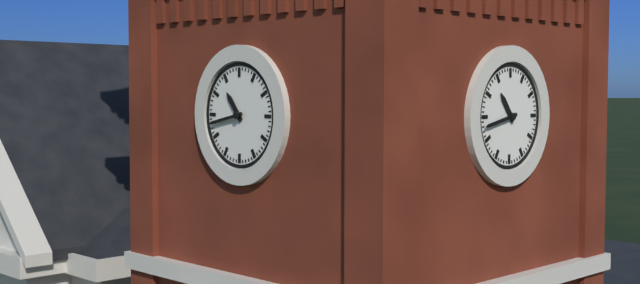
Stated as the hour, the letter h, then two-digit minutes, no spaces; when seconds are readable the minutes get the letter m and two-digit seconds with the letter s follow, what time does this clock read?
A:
10h43
